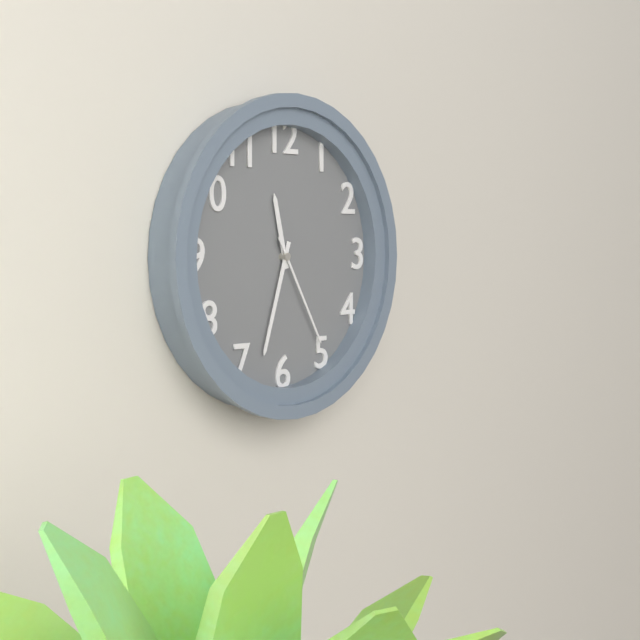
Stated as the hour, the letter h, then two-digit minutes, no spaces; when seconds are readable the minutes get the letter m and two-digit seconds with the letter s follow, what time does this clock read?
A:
11h33m25s
